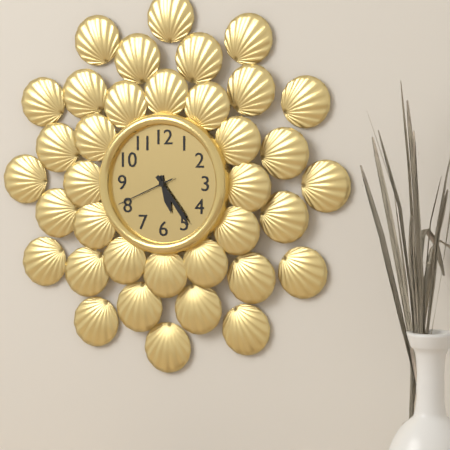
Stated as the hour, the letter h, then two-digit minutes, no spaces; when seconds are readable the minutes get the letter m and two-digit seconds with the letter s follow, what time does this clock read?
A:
5h24m41s
